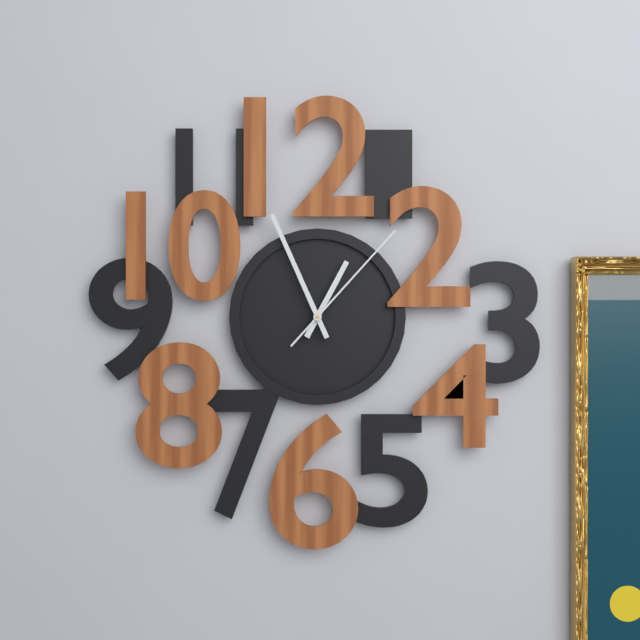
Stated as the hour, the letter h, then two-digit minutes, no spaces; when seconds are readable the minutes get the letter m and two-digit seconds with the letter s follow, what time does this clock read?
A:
12h56m07s
